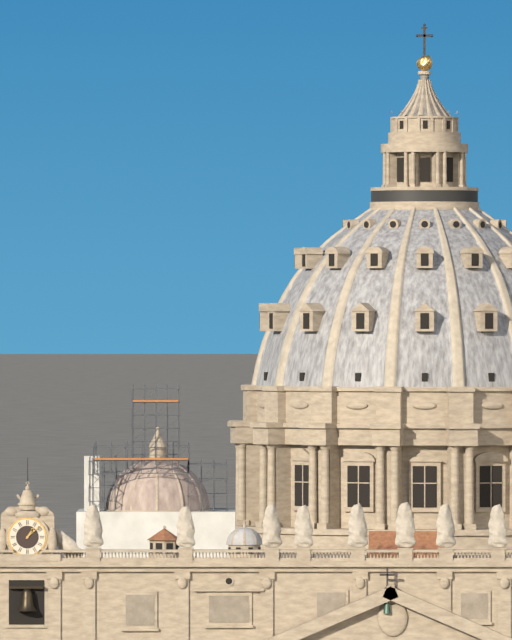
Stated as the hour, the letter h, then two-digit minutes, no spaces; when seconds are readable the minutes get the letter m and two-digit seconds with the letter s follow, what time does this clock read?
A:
1h08
